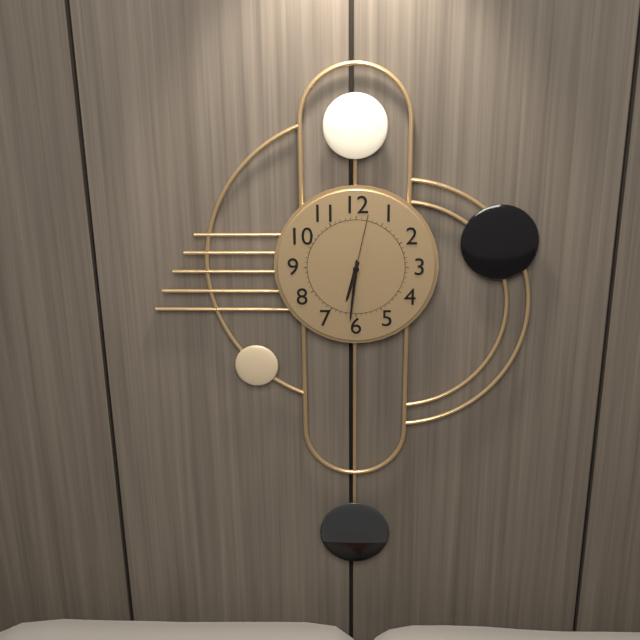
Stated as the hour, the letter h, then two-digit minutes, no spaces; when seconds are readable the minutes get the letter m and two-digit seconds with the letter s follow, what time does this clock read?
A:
6h31m02s
